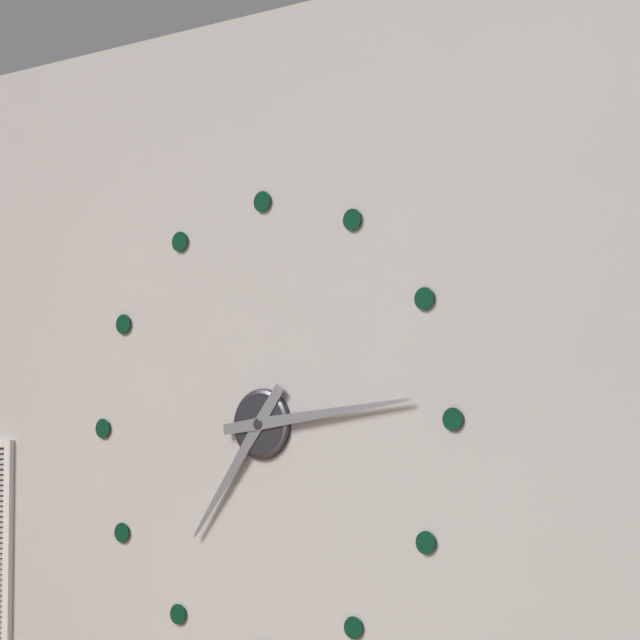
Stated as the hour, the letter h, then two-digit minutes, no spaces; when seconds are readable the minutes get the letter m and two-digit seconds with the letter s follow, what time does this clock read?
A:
7h14
